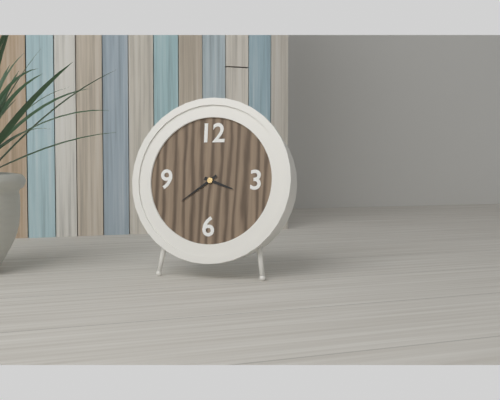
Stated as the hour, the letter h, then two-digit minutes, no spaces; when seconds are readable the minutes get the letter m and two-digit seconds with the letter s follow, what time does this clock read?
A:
3h39
